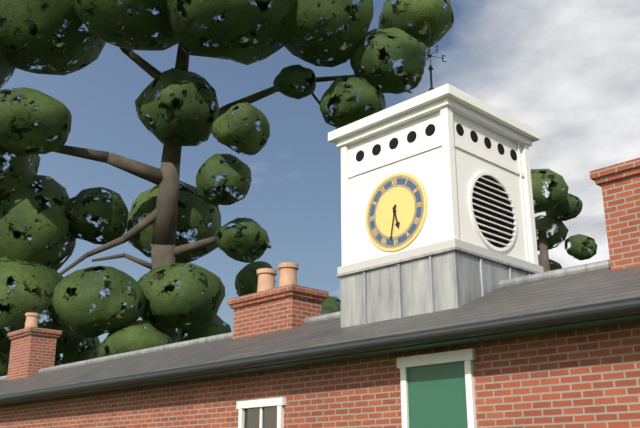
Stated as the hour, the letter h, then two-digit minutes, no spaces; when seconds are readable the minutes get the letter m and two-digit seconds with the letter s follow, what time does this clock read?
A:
5h32
